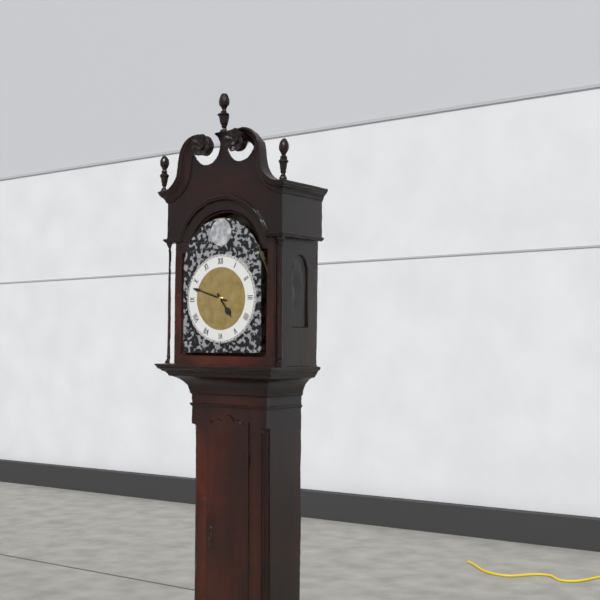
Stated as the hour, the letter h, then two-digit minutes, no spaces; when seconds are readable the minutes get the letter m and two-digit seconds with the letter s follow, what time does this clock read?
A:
4h48
